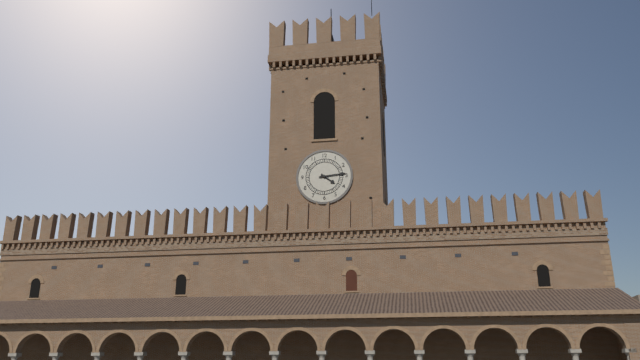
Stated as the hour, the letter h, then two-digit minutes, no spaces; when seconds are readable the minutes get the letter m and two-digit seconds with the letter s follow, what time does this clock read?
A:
4h14
